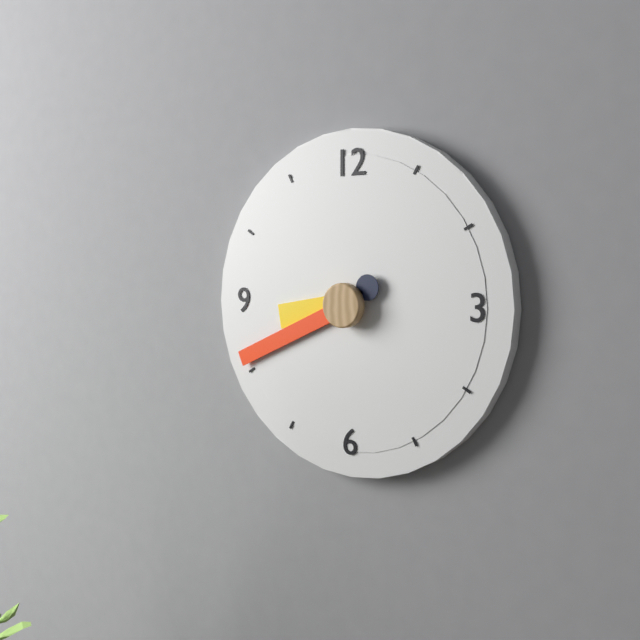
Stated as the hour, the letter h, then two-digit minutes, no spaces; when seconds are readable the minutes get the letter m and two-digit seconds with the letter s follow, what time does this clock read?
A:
8h41m09s
